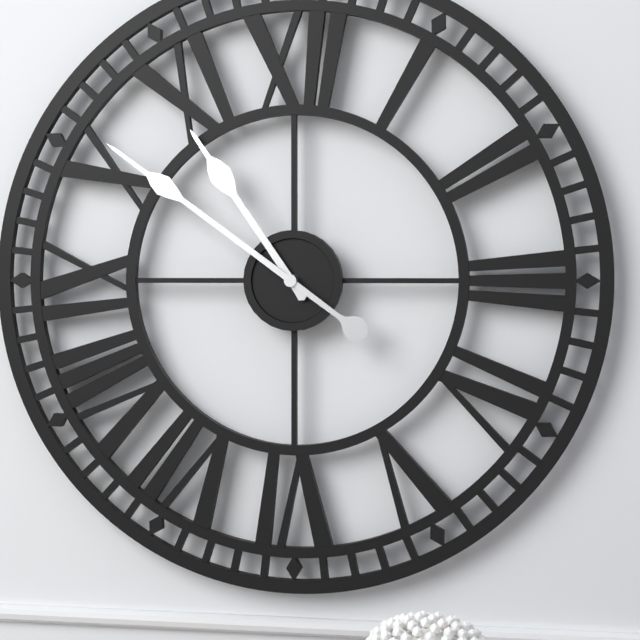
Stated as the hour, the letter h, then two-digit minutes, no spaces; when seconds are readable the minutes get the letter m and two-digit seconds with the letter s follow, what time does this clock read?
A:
10h51
